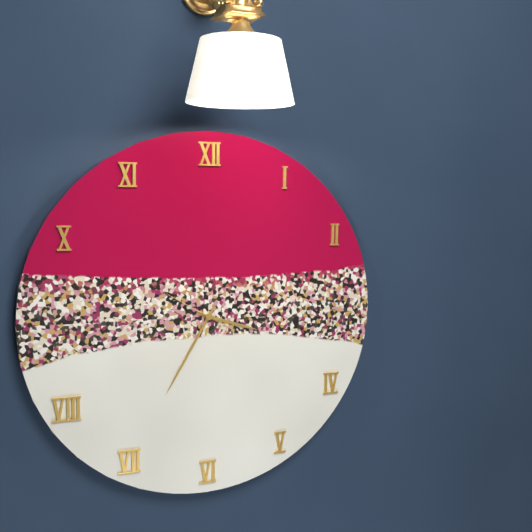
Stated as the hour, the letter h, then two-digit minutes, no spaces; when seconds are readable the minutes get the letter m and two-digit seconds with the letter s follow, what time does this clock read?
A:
3h35m50s
